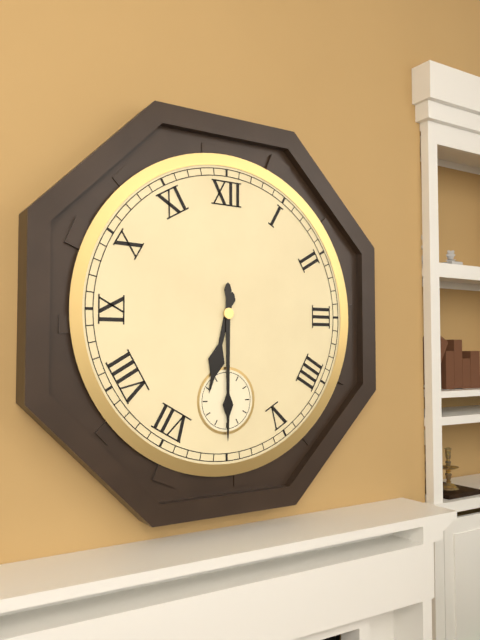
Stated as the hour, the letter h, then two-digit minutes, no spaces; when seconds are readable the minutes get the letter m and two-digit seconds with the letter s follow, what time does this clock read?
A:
6h30
